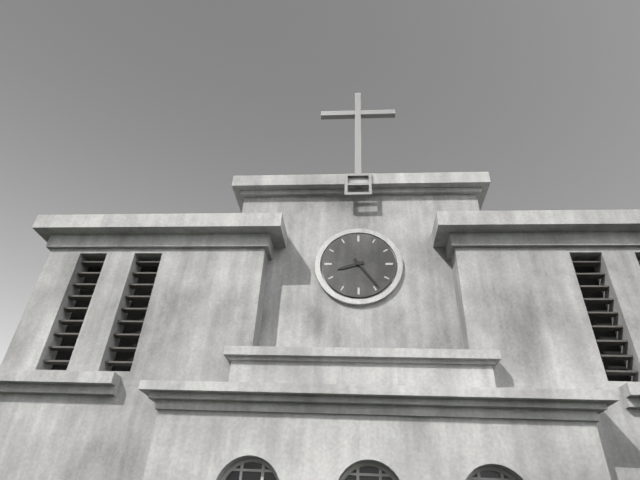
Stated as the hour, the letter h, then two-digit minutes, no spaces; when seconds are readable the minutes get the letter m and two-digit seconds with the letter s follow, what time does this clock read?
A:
8h24
